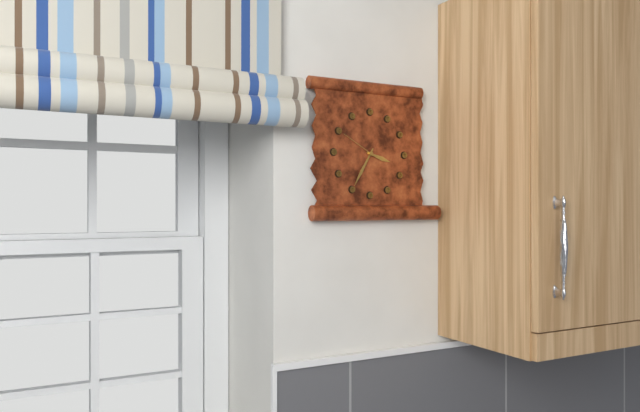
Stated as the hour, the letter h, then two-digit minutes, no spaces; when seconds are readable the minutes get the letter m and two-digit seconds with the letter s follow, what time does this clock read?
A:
3h35
